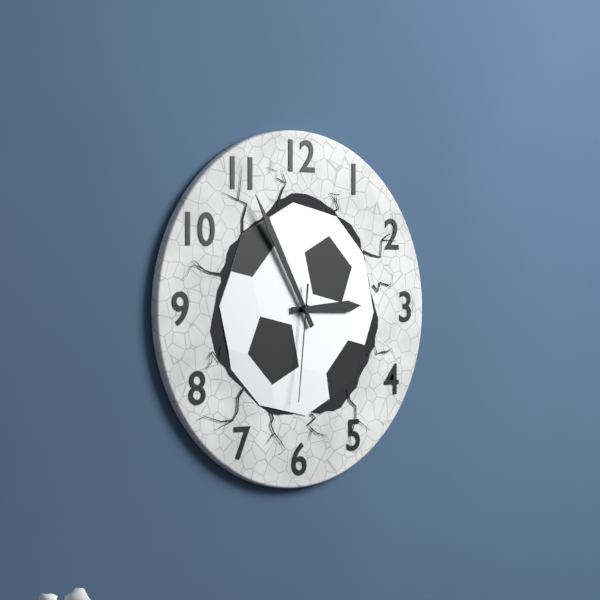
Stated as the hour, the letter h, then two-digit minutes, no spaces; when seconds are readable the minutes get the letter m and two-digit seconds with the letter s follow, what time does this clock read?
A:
2h55m31s
